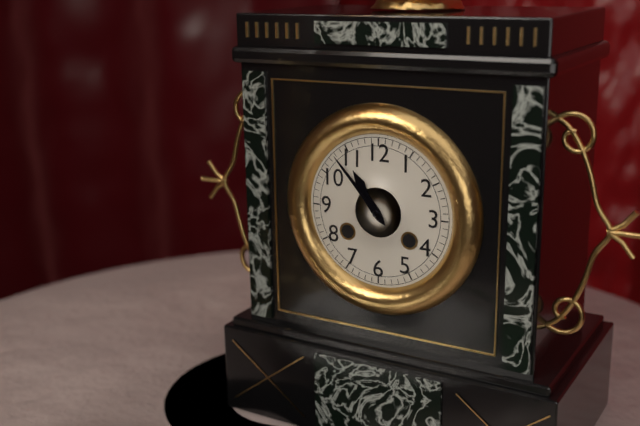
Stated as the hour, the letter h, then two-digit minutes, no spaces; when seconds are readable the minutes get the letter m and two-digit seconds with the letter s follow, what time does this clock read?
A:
10h53
